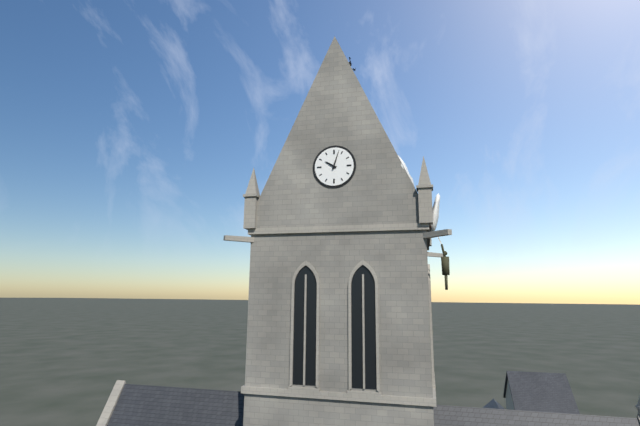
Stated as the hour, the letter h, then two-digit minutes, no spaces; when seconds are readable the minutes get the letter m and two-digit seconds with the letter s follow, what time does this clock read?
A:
10h03
